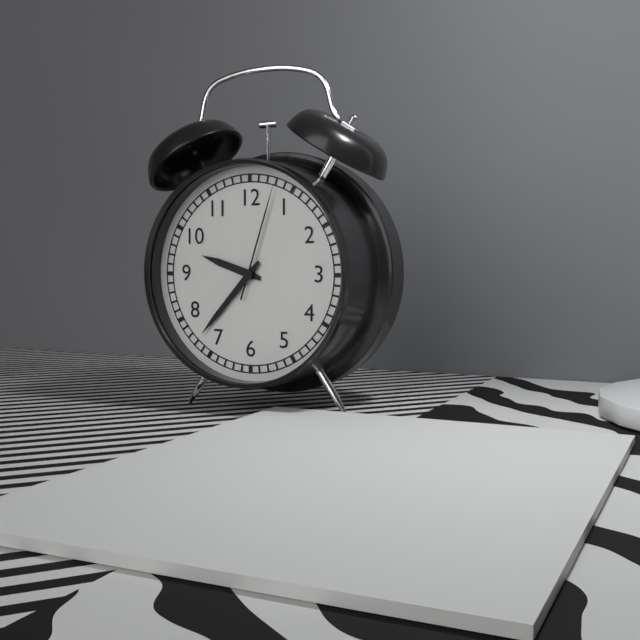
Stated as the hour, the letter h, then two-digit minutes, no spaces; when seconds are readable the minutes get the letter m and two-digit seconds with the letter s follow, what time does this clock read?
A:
9h37m03s
